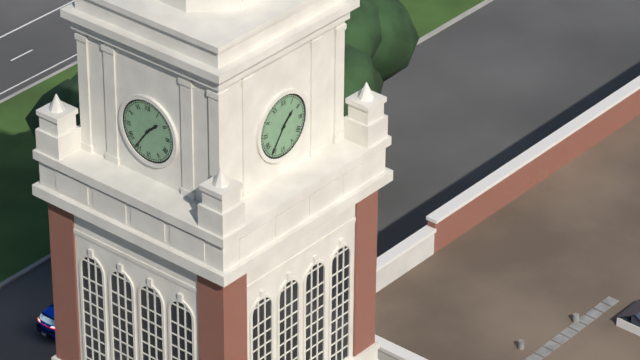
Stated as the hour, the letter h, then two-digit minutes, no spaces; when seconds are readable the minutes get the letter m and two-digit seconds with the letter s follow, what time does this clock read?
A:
1h36
